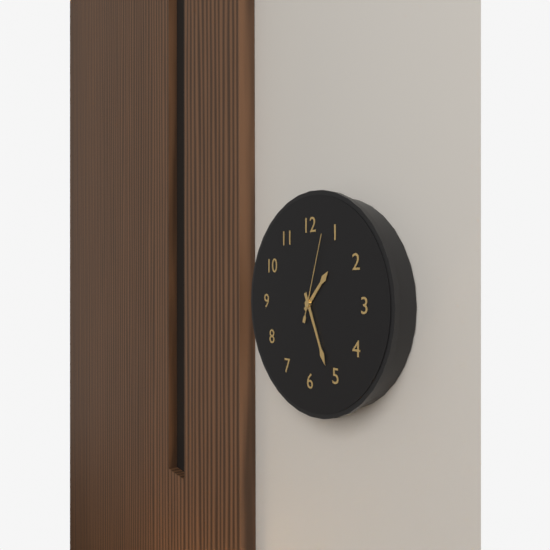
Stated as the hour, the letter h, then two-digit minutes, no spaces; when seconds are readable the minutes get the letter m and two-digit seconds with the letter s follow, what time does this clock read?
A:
1h26m03s
